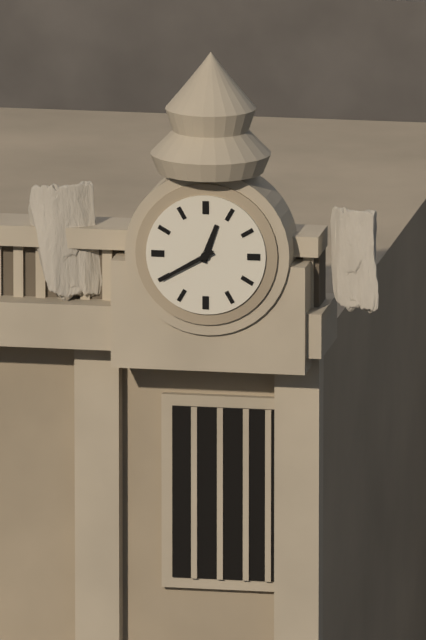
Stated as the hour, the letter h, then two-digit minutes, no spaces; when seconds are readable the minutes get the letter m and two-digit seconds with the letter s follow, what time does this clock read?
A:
12h40
